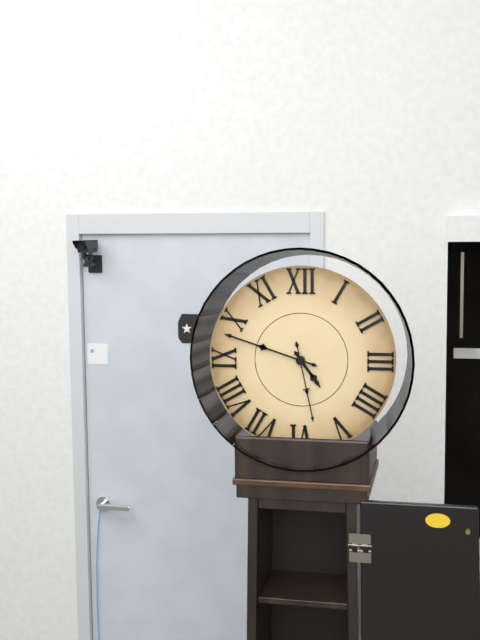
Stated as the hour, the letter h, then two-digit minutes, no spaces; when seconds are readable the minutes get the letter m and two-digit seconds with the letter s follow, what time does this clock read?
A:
4h48m28s
